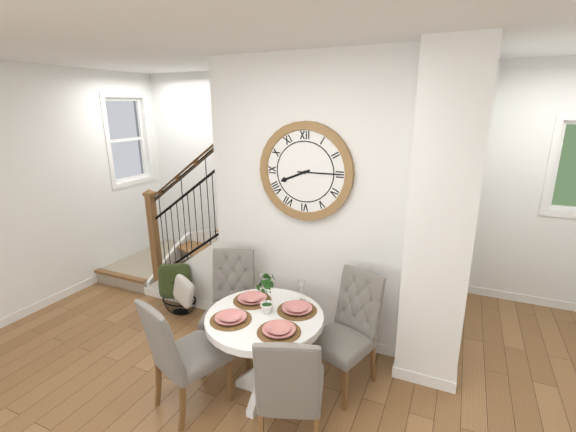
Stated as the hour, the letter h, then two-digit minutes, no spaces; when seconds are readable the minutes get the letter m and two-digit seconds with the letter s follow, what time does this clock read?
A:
8h15
